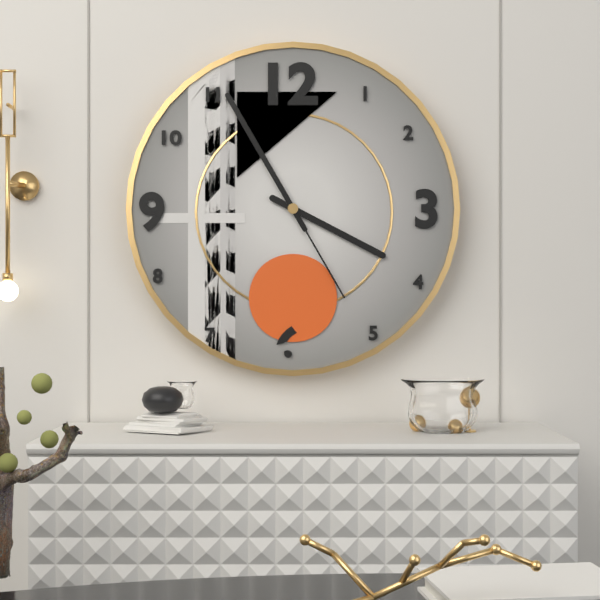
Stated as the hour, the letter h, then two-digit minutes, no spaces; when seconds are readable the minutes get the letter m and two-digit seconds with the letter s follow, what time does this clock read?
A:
3h55m25s
